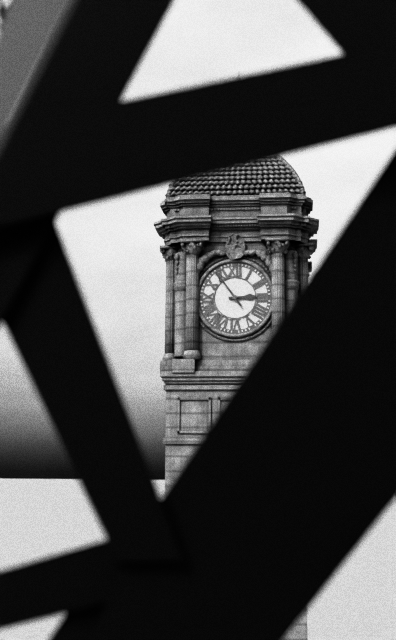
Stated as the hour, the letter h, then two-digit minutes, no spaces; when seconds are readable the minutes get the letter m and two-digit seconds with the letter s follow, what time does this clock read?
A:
2h54
